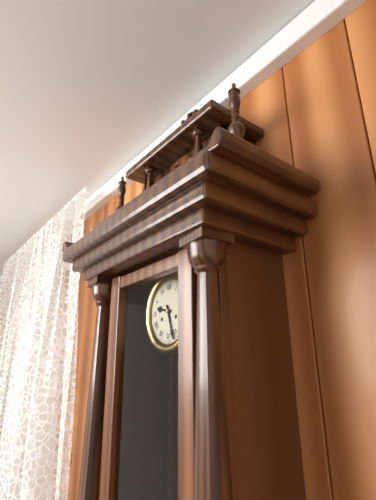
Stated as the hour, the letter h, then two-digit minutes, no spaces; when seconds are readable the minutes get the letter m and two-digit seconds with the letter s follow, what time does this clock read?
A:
9h27
